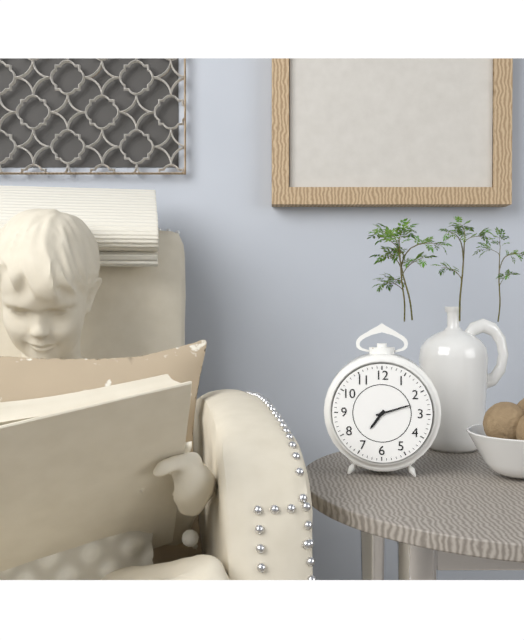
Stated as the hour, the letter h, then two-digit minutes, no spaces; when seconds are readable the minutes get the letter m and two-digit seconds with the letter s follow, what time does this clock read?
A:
7h12
